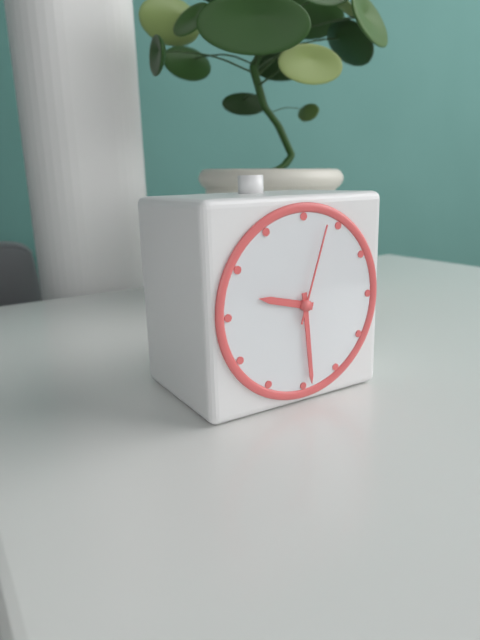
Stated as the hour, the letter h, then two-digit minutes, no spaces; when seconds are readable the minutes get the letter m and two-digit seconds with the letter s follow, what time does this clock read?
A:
9h29m03s
